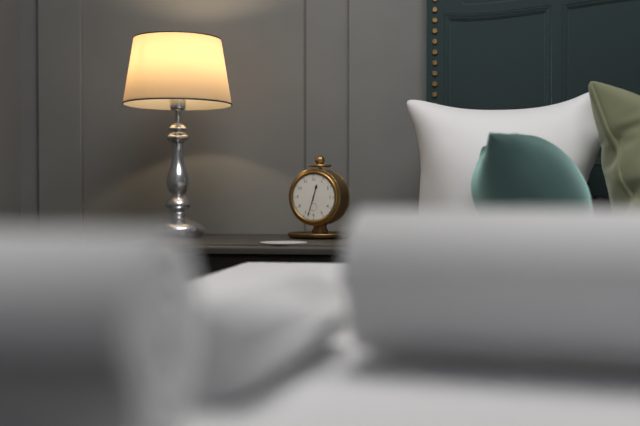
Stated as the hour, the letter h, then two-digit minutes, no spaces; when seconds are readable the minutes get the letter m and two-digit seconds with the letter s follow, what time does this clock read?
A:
12h33
